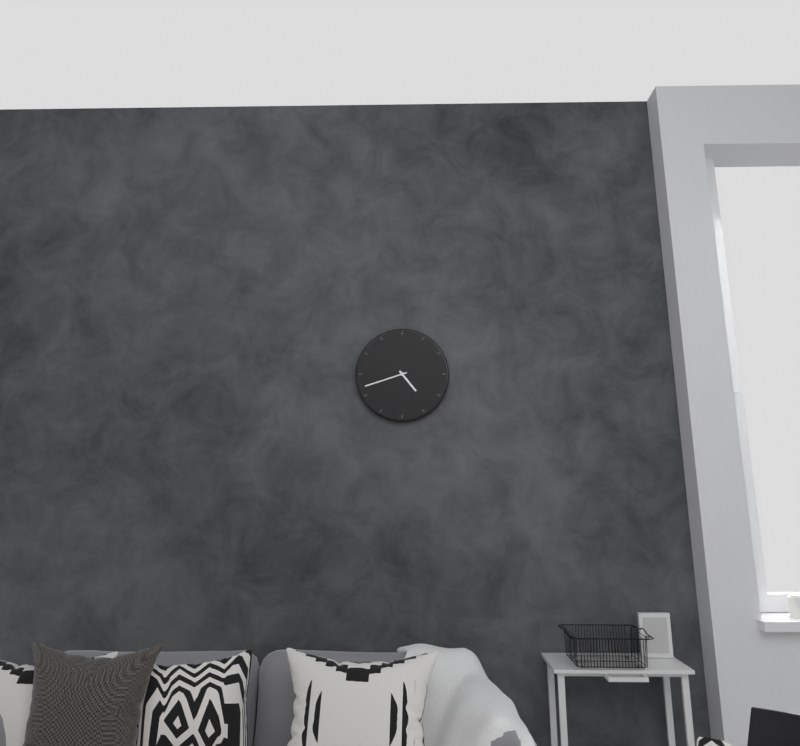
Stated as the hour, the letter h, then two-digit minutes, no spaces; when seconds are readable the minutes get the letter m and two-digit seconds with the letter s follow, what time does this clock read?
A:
4h42
